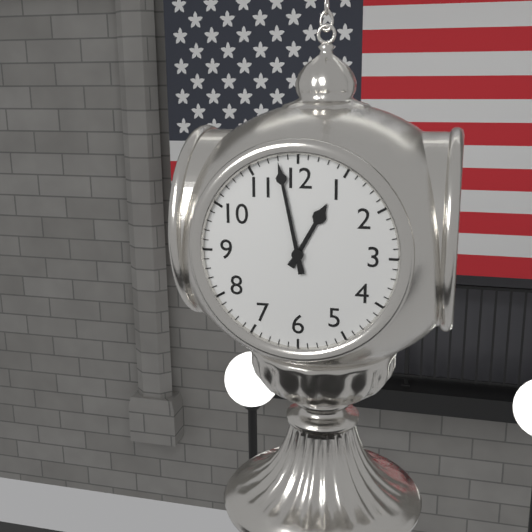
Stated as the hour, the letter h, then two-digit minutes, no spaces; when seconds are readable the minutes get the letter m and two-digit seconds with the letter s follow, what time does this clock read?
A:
12h58
